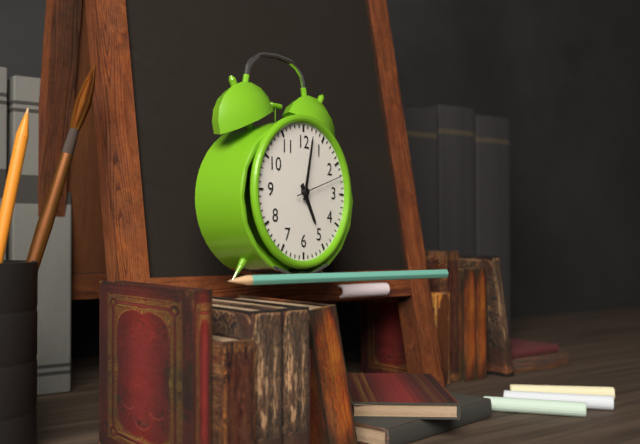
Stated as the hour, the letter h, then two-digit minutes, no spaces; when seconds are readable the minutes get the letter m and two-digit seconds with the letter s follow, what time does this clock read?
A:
5h02m12s
